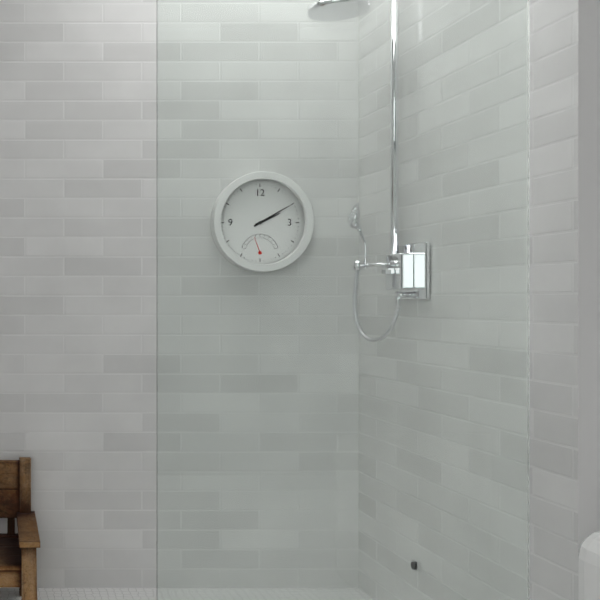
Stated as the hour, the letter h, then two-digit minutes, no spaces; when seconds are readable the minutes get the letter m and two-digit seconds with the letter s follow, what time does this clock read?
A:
2h10
